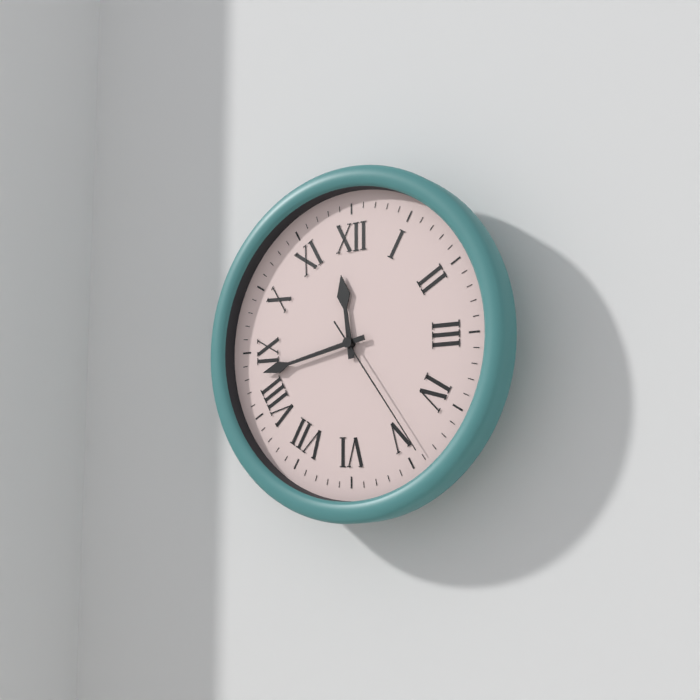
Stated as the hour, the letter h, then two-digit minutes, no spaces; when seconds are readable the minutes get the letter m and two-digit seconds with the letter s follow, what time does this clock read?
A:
11h43m24s
